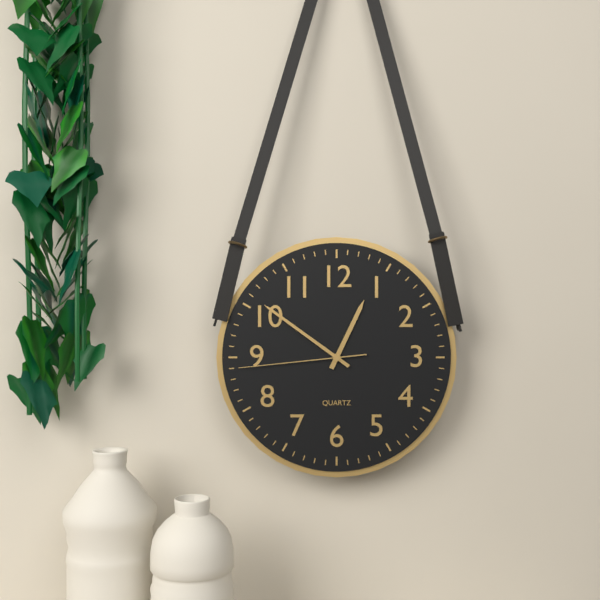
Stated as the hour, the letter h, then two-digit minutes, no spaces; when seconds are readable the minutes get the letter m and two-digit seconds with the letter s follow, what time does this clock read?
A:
12h51m44s
